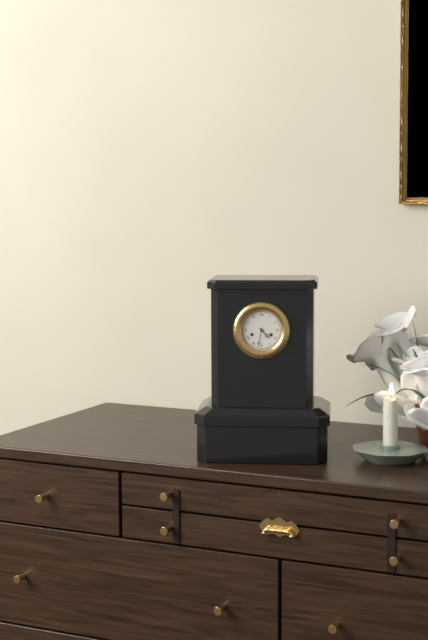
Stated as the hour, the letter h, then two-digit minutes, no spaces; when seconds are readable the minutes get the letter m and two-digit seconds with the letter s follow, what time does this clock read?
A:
4h32
